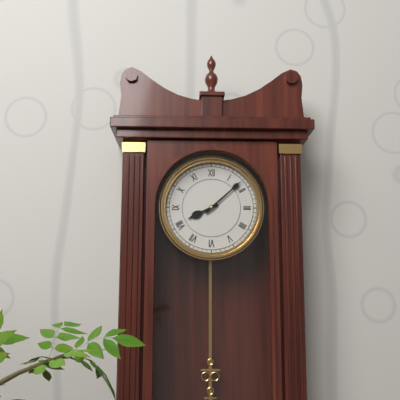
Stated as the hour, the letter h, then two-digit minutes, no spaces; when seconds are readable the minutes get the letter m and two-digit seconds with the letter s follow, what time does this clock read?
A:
8h08
